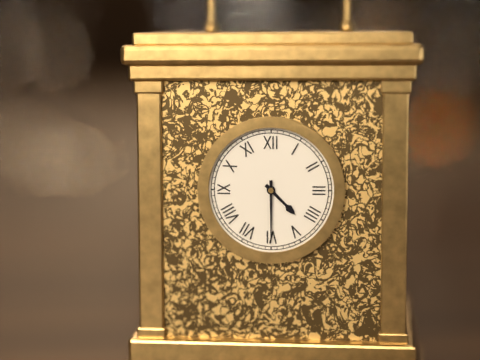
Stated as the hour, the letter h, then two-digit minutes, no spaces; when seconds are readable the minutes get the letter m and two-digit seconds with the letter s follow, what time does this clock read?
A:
4h30
